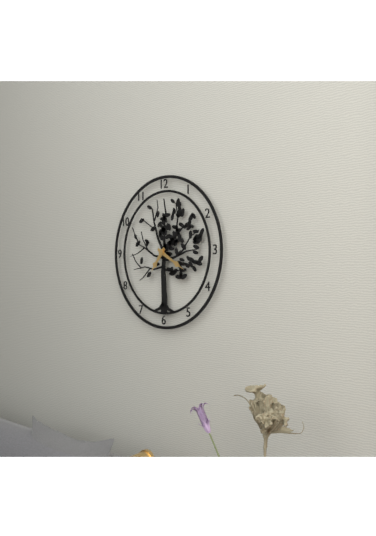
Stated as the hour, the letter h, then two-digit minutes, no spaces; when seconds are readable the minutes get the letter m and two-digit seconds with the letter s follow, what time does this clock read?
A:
7h20
